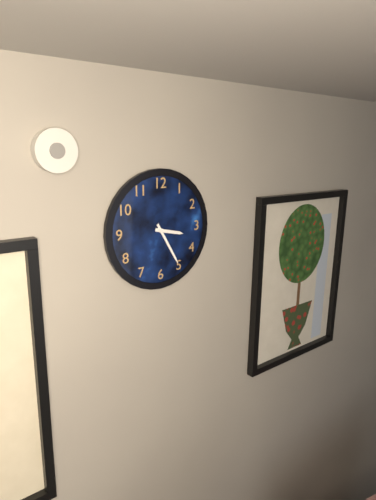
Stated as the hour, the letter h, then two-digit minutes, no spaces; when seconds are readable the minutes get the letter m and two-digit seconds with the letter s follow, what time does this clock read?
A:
3h25
